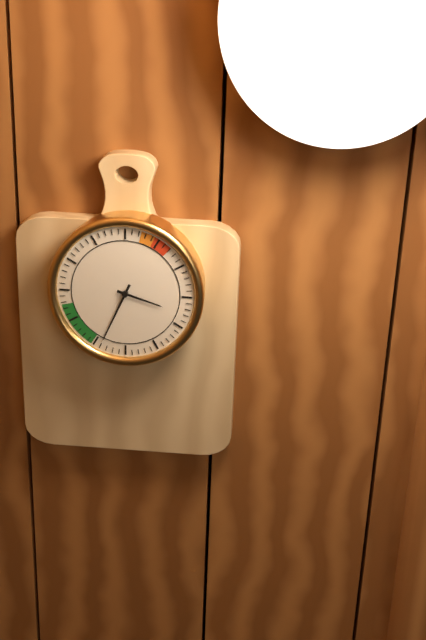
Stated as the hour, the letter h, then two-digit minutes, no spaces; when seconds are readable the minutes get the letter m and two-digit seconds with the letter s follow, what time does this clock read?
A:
3h34
